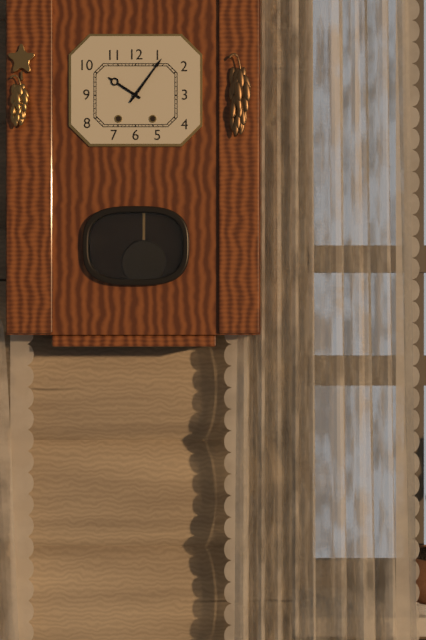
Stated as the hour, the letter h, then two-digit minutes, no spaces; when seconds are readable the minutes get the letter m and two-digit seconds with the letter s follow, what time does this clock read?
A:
10h06
